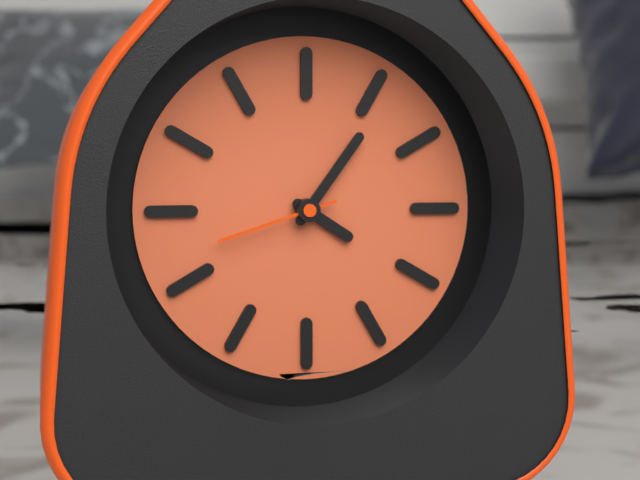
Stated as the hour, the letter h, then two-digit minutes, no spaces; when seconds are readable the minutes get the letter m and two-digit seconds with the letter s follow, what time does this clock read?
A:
4h06m42s
